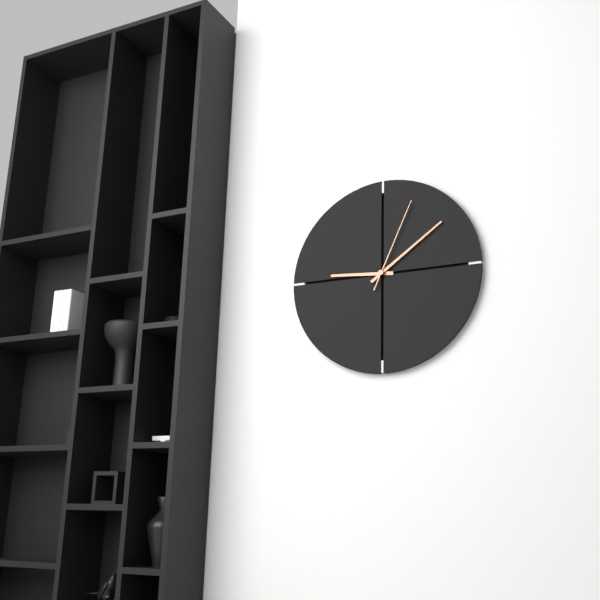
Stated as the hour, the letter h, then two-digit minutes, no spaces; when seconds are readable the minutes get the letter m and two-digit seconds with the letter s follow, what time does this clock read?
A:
9h09m04s
